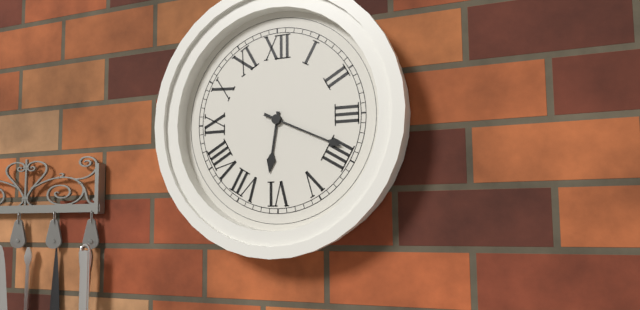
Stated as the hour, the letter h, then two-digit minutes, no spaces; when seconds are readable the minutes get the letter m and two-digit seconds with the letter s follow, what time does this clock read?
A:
6h19
